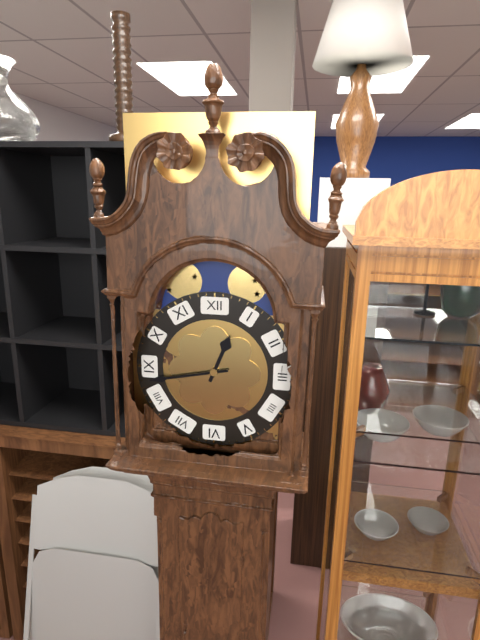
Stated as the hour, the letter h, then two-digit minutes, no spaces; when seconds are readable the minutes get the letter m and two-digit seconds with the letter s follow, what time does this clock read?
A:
12h43
